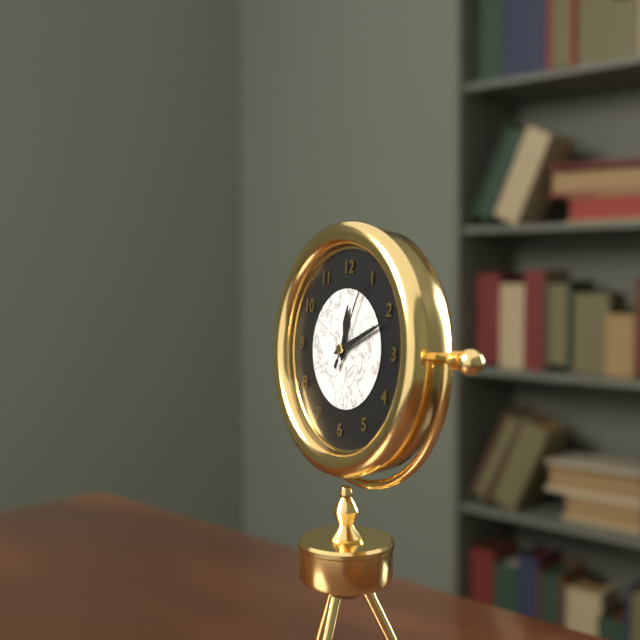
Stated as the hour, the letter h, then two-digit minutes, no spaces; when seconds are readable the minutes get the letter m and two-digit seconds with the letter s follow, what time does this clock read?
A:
12h11m04s
